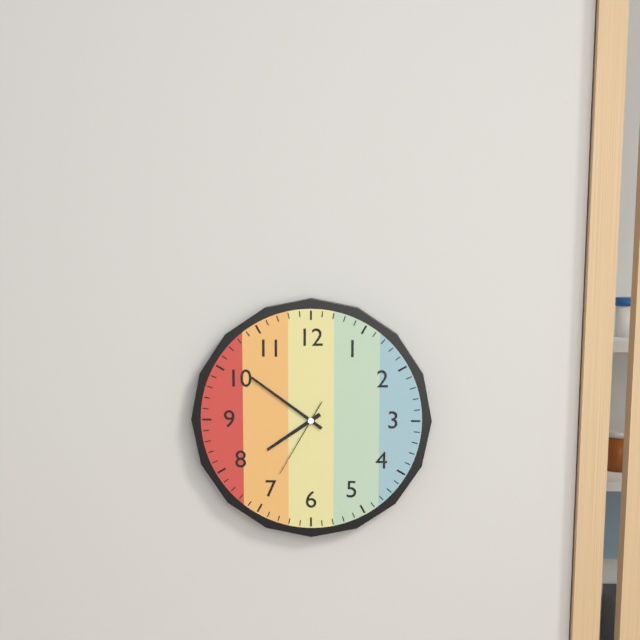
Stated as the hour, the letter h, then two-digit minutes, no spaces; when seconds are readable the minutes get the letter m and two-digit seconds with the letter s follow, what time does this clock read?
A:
7h51m35s
